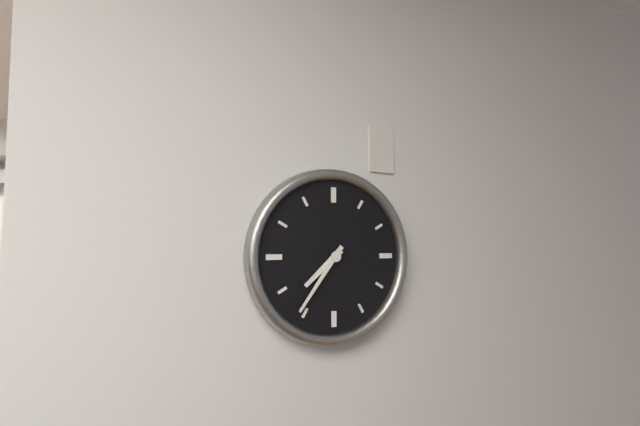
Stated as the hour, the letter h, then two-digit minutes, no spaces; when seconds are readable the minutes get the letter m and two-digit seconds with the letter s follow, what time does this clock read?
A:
7h36
